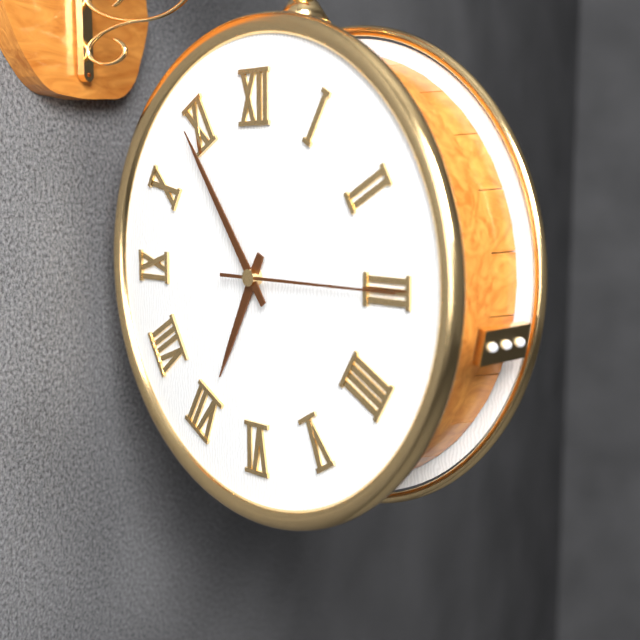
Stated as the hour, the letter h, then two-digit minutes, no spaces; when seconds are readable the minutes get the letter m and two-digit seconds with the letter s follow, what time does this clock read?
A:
6h54m15s
